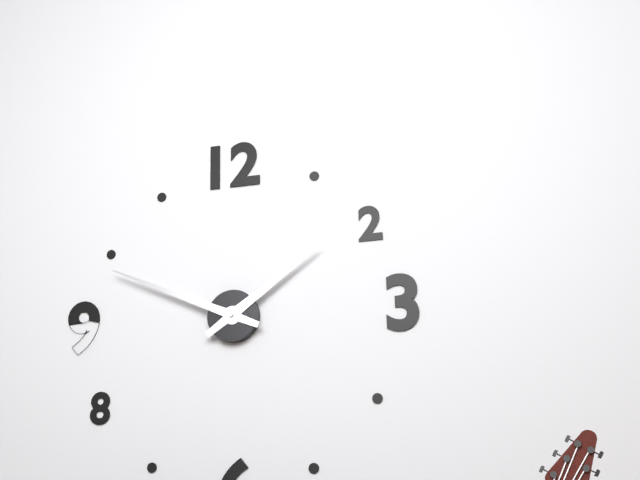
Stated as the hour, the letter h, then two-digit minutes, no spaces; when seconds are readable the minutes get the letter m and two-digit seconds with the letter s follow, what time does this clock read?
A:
1h49
